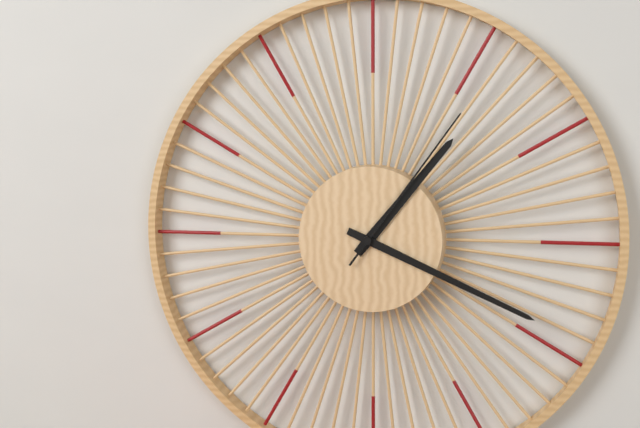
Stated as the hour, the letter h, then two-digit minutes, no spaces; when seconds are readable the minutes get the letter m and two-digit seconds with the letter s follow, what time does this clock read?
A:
1h19m06s
